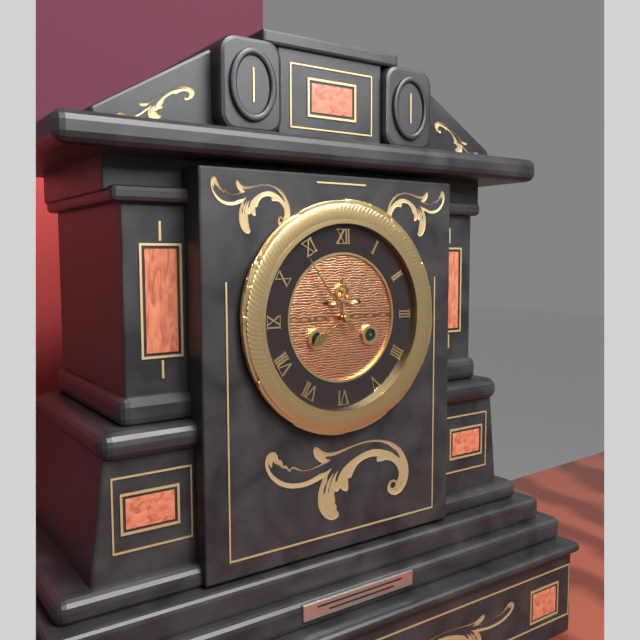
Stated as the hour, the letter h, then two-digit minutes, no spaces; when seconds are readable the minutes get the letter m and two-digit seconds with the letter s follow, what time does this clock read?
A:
7h54
